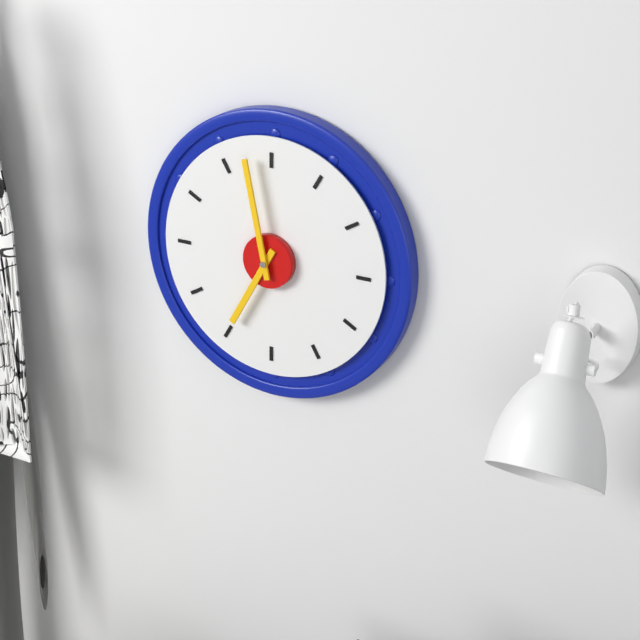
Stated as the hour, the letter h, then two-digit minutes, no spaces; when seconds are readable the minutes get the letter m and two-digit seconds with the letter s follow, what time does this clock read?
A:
6h58
